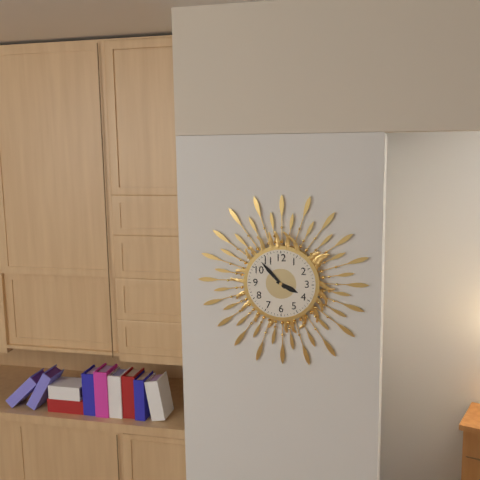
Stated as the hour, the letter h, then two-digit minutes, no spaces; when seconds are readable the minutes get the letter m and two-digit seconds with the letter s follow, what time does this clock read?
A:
3h53
